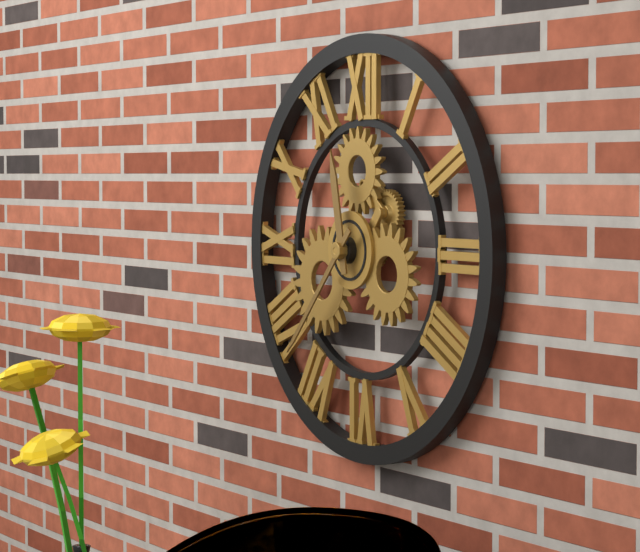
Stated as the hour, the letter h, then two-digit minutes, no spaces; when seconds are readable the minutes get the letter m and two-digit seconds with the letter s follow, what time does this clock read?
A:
11h37
